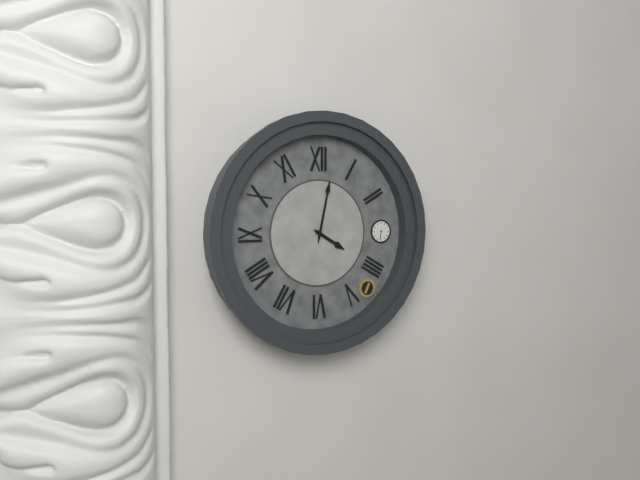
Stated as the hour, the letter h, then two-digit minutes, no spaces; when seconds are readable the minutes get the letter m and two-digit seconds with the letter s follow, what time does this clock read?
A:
4h02
